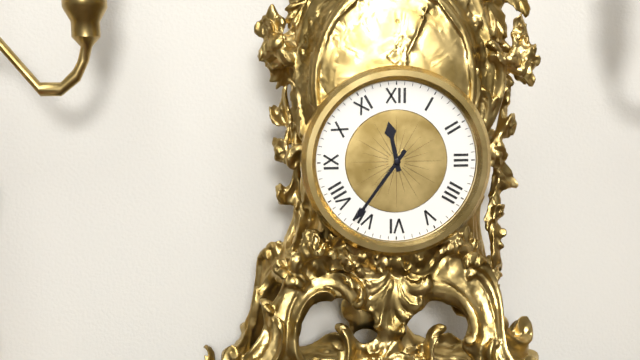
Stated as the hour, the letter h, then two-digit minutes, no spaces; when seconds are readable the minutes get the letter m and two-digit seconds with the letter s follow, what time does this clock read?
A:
11h36
